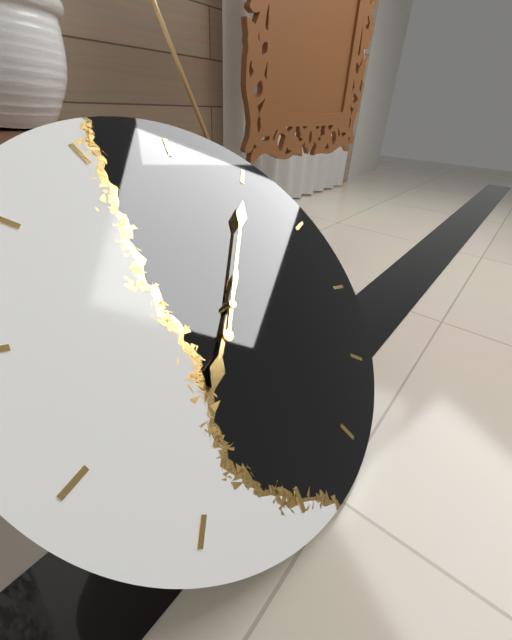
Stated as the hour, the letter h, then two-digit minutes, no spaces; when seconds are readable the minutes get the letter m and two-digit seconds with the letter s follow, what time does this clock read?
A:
8h10
